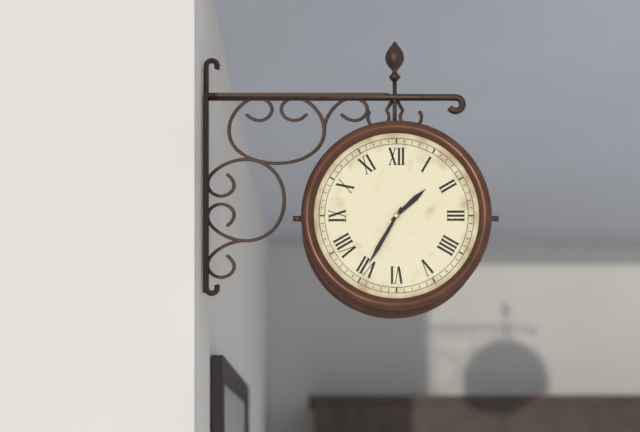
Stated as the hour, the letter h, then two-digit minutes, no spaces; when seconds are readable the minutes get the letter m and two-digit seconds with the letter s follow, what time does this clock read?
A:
1h35
